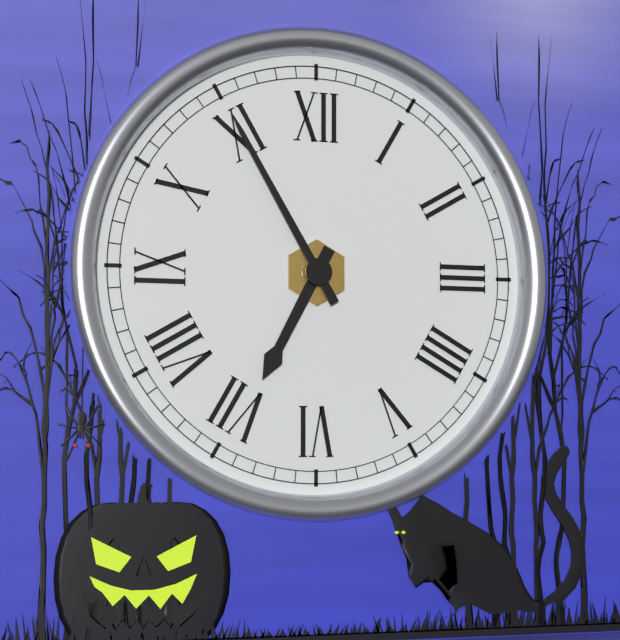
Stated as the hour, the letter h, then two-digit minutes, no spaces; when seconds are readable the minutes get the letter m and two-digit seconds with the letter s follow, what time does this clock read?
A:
6h55
